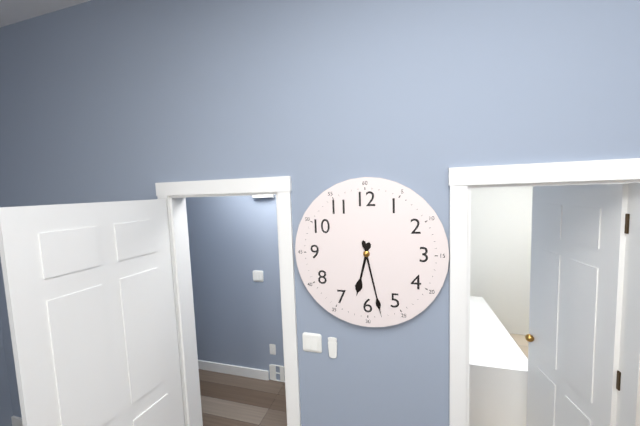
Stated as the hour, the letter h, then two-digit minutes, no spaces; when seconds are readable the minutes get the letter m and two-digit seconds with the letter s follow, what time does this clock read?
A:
6h28
